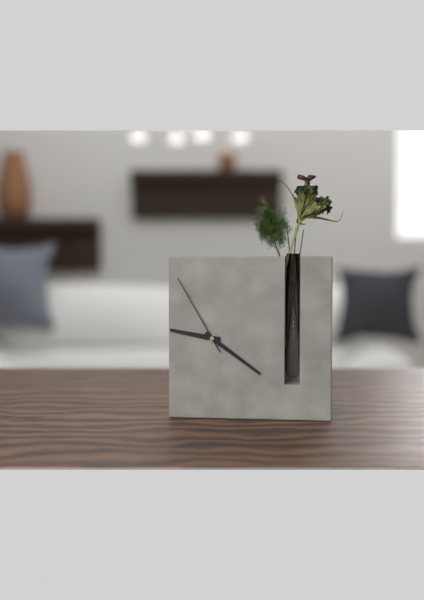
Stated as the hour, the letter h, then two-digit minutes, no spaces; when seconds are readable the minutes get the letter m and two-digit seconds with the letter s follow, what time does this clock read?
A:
9h21m55s
